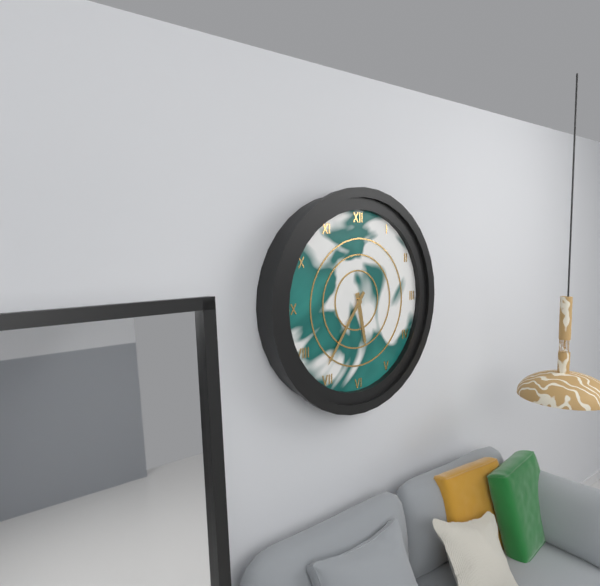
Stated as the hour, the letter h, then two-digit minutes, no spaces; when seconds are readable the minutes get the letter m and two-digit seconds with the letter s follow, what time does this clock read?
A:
5h36
